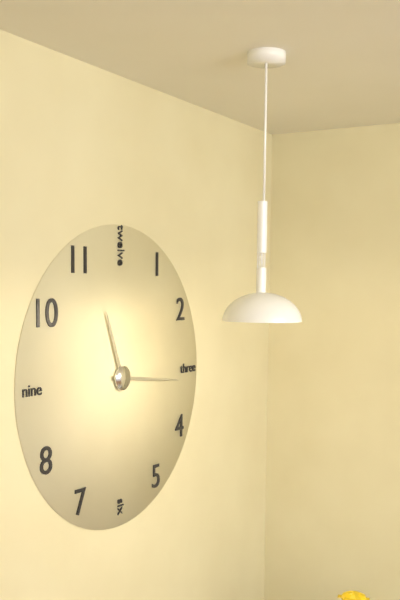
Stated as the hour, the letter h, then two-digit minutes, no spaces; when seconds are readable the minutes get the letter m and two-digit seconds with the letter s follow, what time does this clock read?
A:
11h16
